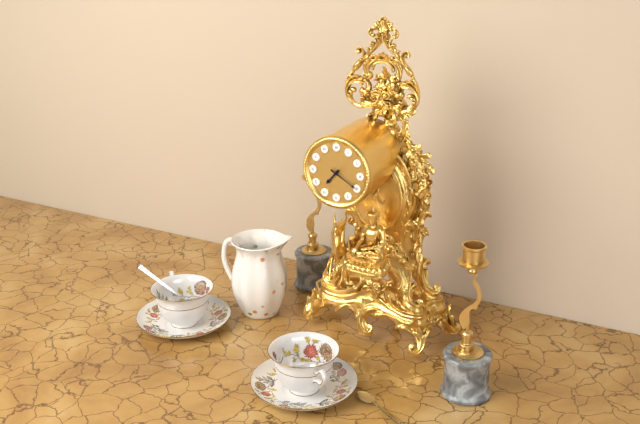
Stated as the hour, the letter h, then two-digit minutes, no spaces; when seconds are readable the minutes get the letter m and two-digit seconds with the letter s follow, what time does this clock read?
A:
7h20
